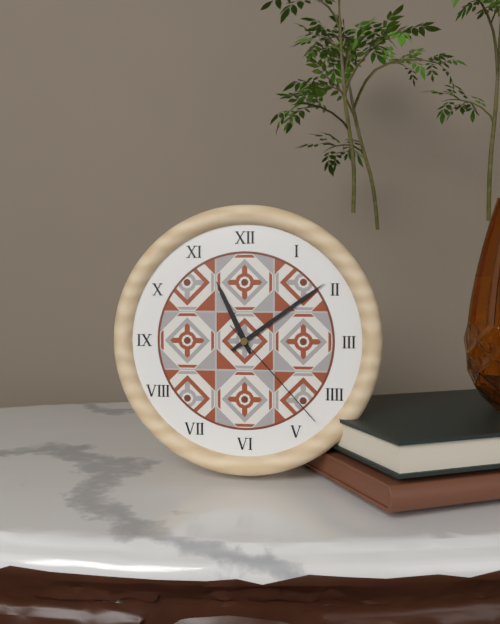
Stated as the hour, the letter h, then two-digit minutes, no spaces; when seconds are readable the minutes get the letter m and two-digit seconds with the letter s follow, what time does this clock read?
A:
11h09m23s
